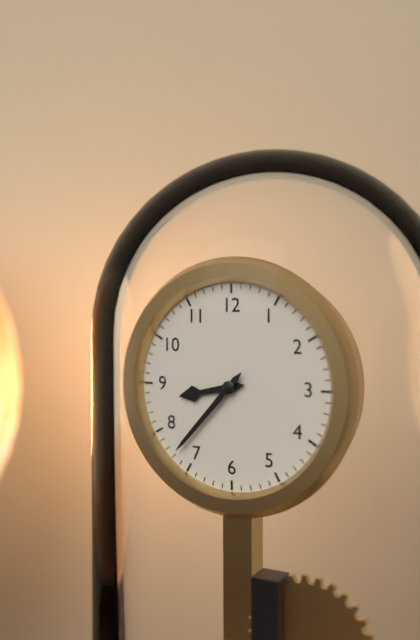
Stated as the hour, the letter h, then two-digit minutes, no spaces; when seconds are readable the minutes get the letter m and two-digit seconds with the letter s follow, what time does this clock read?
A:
8h37
